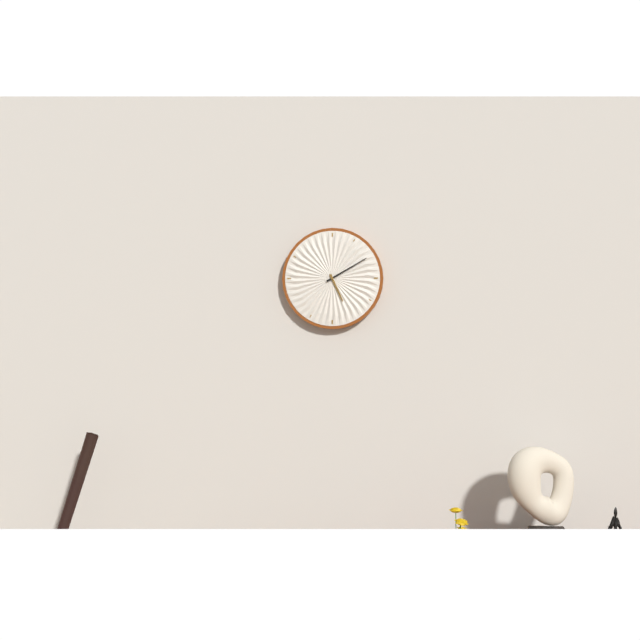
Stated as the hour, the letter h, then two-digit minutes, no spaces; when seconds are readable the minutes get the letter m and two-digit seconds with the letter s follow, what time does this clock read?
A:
5h10
